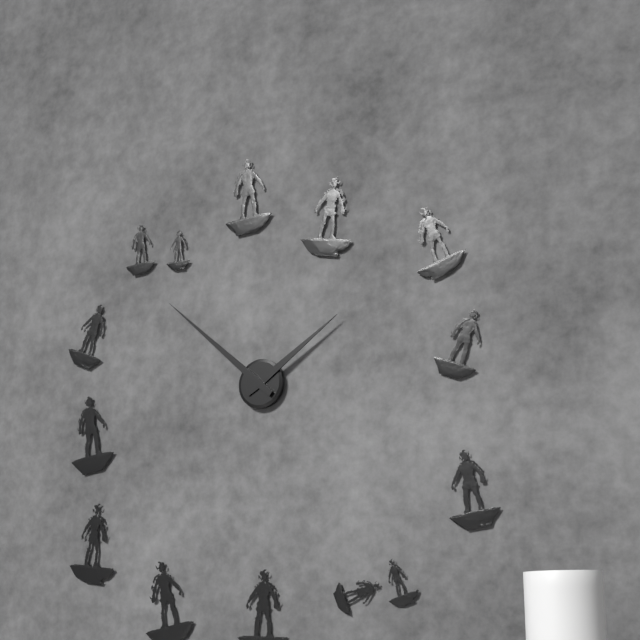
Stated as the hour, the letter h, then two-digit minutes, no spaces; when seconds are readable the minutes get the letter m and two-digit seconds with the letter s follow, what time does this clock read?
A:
1h52
